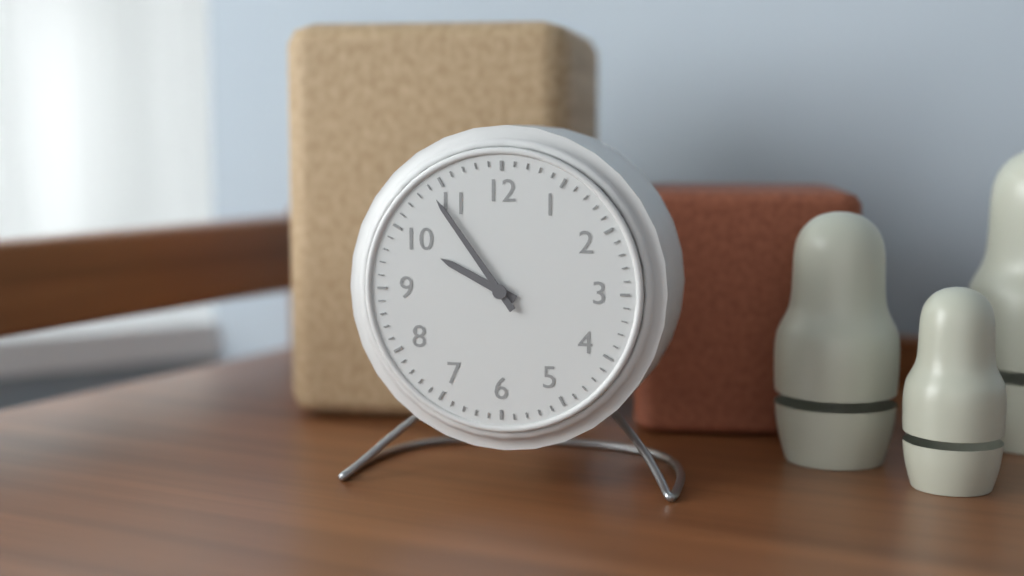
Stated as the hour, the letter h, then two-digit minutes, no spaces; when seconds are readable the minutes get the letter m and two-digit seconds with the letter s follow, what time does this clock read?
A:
9h54
